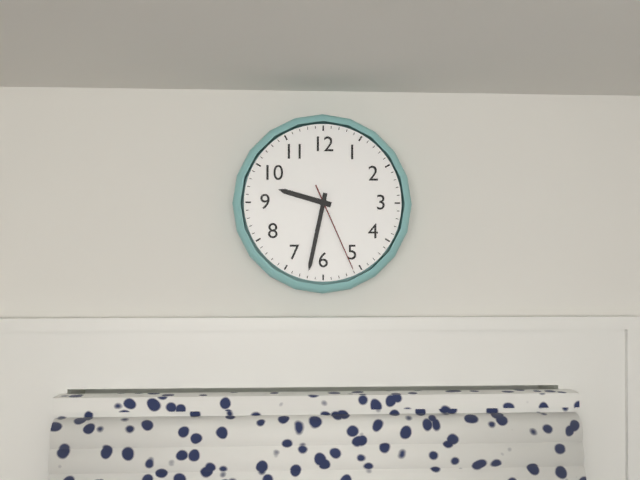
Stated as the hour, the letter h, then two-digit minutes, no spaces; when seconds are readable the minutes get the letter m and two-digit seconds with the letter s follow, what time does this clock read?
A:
9h32m26s
